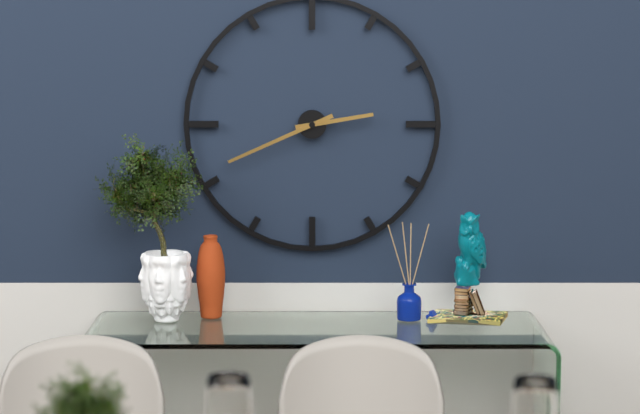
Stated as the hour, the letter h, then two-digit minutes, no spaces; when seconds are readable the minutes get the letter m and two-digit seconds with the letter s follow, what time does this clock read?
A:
2h41
